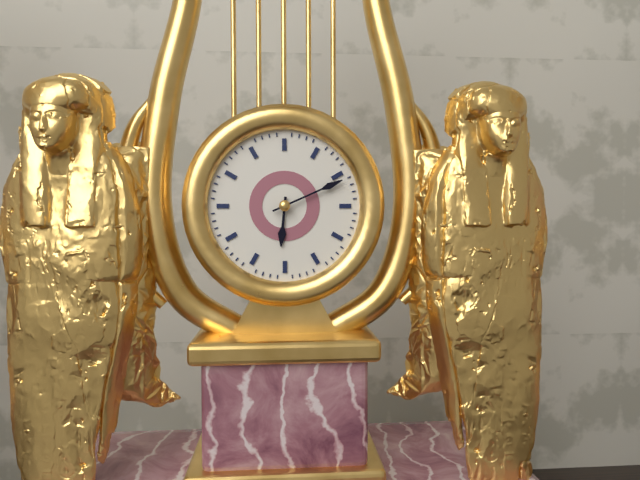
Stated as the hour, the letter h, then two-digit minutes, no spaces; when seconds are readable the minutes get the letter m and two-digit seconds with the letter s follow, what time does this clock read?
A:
6h11
